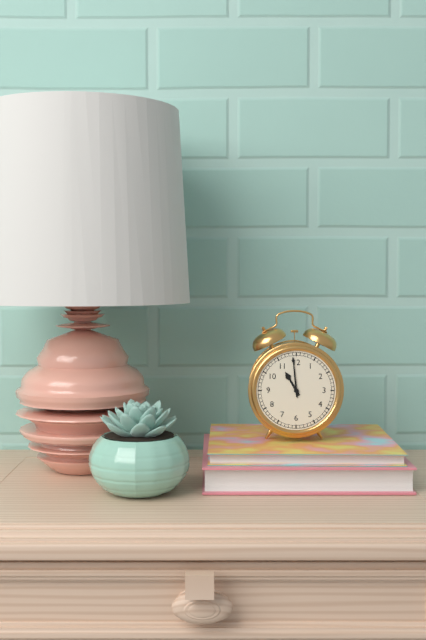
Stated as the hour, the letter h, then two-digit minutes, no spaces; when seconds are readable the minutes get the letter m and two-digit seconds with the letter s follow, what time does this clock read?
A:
10h59
